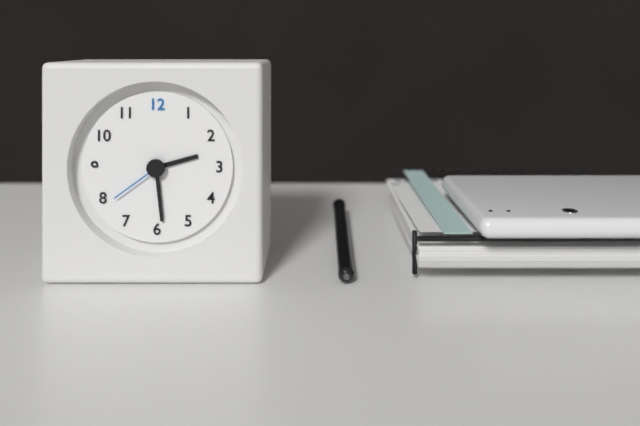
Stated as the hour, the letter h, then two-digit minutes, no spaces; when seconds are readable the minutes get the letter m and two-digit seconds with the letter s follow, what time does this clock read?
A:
2h29m39s
